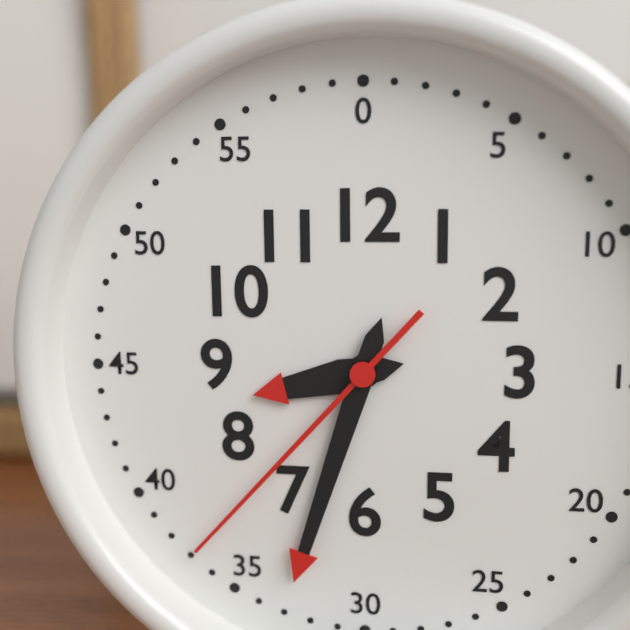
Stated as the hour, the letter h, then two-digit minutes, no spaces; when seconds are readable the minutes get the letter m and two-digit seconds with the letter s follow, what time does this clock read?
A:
8h33m37s
